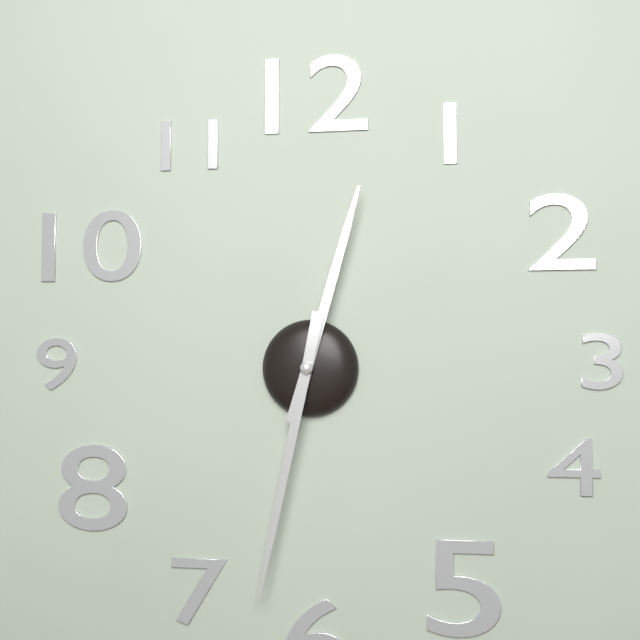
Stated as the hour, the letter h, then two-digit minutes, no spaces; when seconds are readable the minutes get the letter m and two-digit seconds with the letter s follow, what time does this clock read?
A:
12h32
